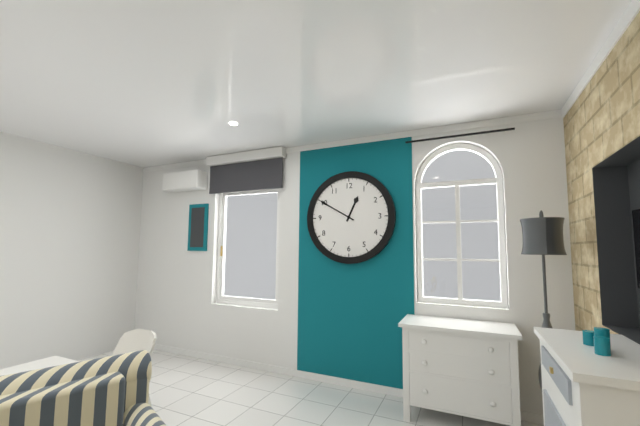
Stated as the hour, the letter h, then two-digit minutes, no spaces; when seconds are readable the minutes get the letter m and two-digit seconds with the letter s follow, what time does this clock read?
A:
12h50
